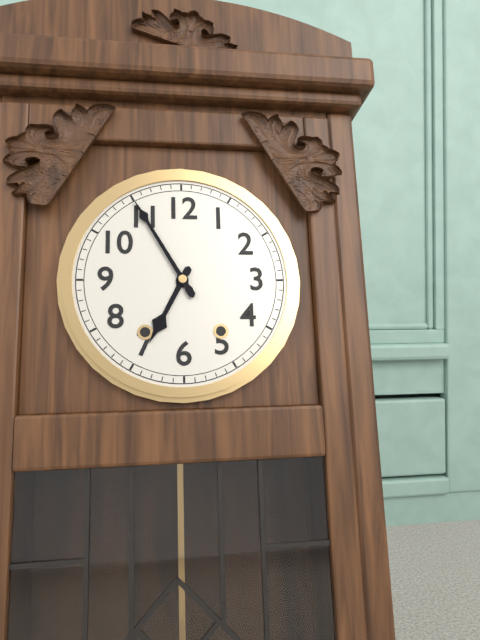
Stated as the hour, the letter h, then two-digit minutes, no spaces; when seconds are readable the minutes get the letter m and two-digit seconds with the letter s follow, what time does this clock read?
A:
6h55
